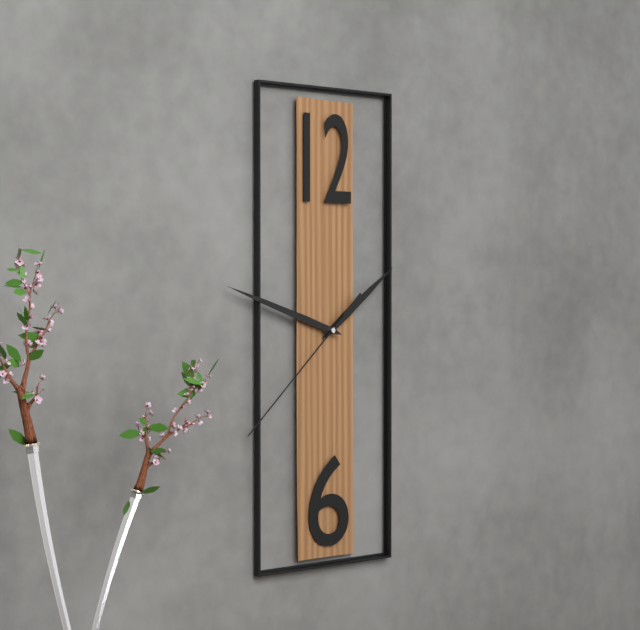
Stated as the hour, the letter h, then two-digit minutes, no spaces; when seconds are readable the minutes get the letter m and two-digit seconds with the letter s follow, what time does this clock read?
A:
1h48m38s
